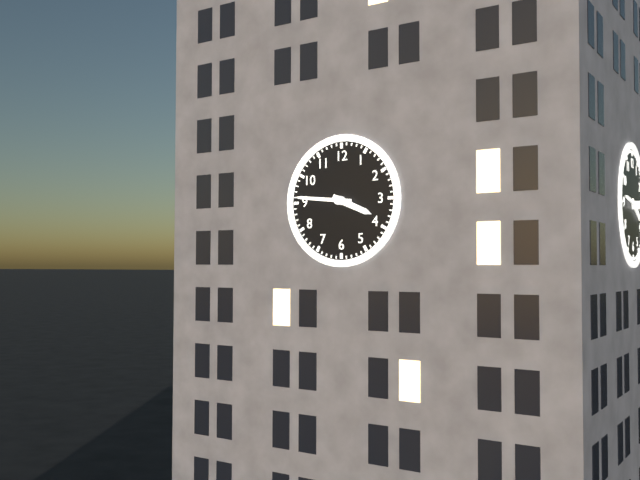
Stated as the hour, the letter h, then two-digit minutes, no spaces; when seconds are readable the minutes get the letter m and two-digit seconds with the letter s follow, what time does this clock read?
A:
3h46
